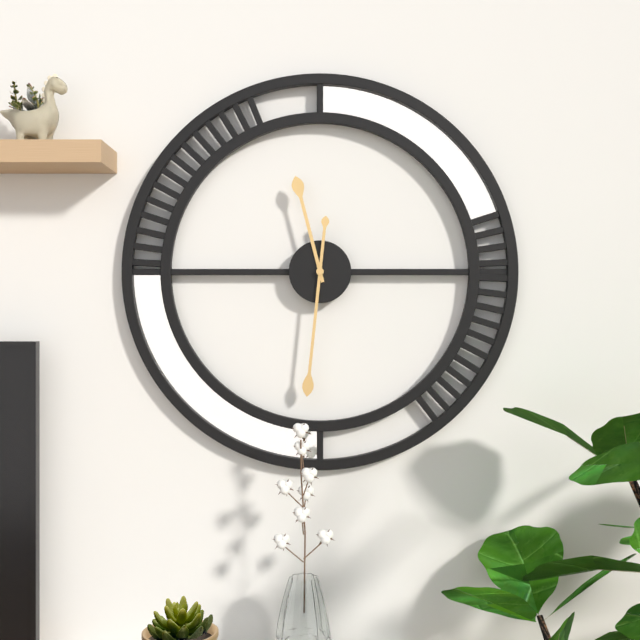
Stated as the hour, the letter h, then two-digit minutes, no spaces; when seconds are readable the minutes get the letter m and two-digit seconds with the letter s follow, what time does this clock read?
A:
11h31
